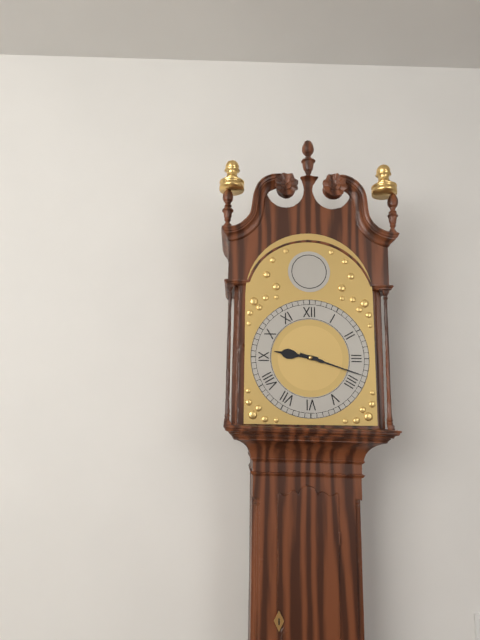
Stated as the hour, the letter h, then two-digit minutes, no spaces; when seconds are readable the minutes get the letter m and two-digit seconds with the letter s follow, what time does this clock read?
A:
9h18
